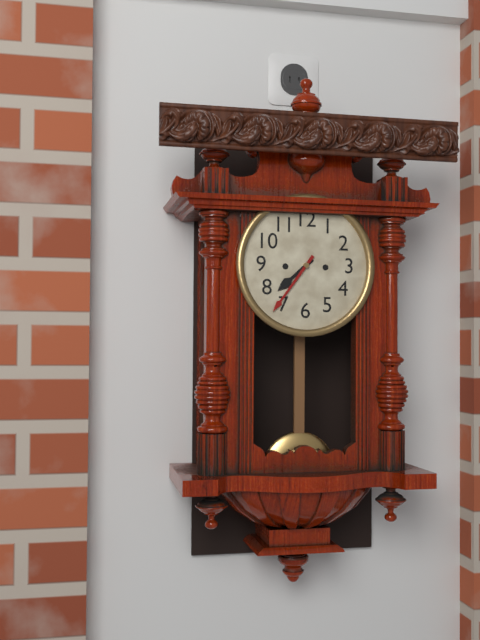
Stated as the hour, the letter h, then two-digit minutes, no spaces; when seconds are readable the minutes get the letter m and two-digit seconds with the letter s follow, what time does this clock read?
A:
7h36
